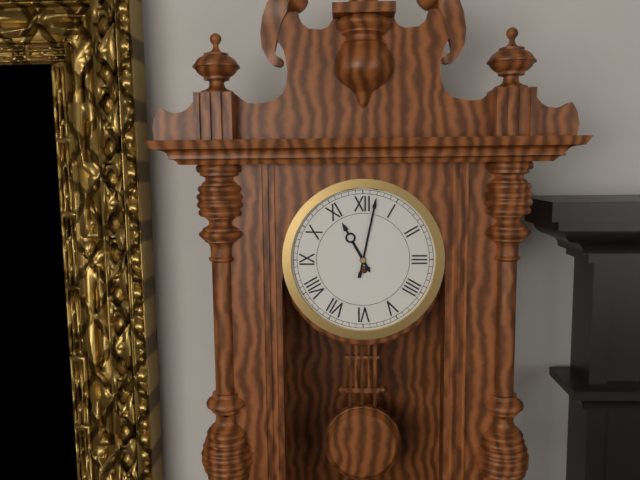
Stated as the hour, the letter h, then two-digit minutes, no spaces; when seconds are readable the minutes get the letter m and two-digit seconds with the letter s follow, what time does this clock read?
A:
11h02
